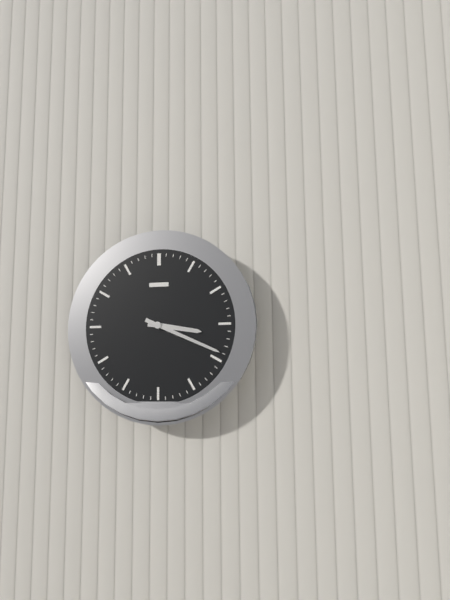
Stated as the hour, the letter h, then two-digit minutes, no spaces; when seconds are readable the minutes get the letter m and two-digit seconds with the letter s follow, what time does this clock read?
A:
3h19
